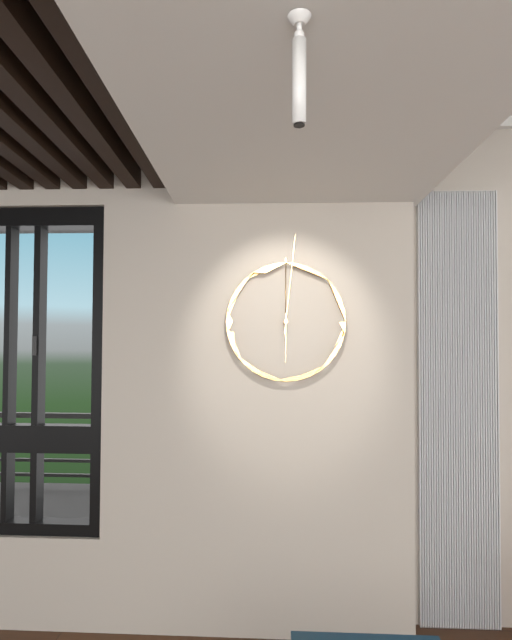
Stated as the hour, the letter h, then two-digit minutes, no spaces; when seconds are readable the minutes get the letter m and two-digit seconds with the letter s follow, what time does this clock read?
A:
6h01
